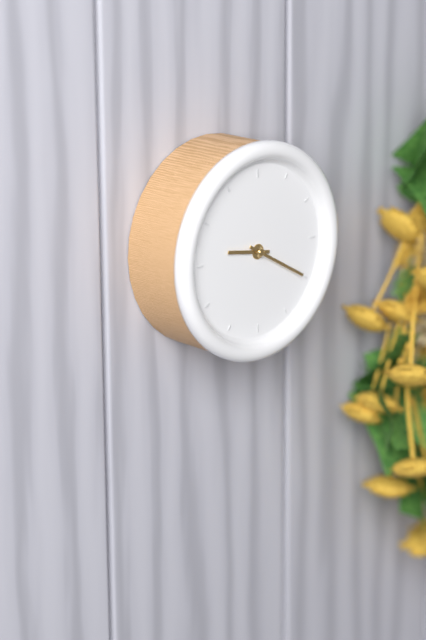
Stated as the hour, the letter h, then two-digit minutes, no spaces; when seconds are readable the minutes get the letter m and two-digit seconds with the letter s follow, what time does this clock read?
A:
9h20
